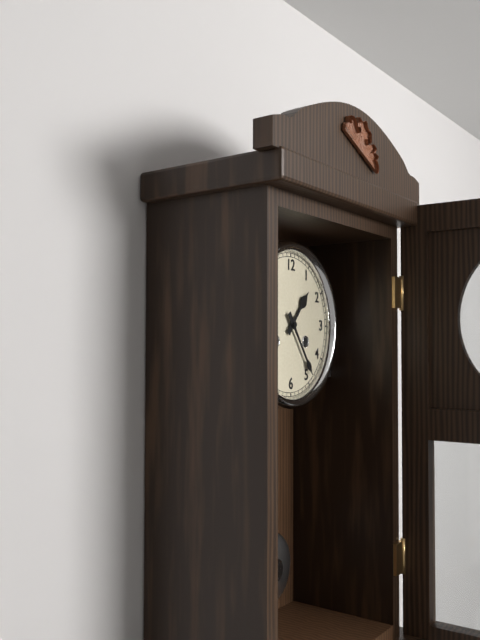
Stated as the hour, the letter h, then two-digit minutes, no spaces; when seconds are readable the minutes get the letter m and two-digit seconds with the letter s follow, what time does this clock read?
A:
1h24
